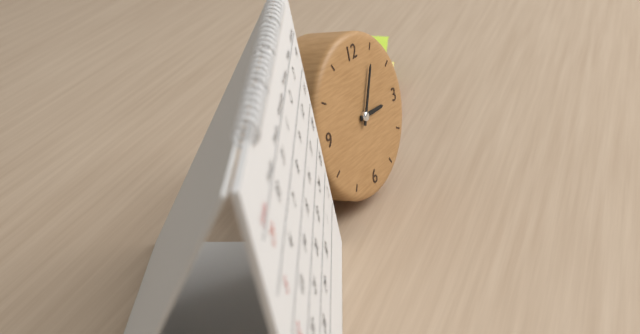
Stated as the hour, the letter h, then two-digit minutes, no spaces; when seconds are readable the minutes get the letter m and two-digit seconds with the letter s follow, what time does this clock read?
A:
3h05
